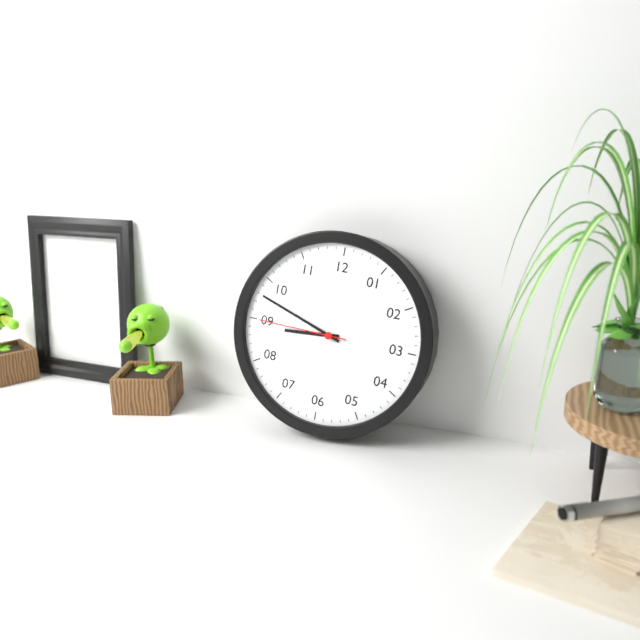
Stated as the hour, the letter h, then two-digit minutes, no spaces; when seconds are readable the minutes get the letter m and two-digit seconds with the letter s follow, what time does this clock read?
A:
8h48m45s
